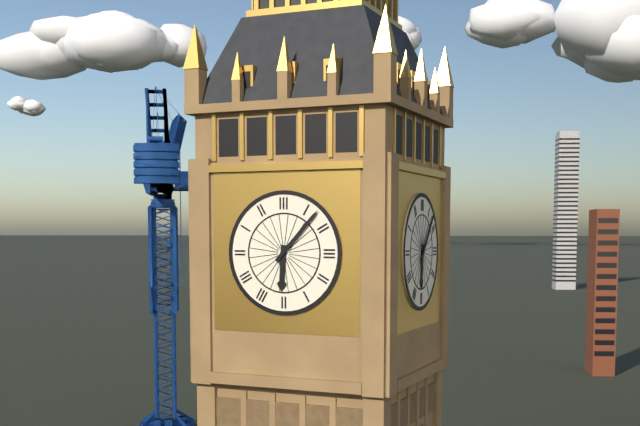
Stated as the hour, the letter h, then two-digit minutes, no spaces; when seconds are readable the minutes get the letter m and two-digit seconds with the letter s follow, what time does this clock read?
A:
6h07
